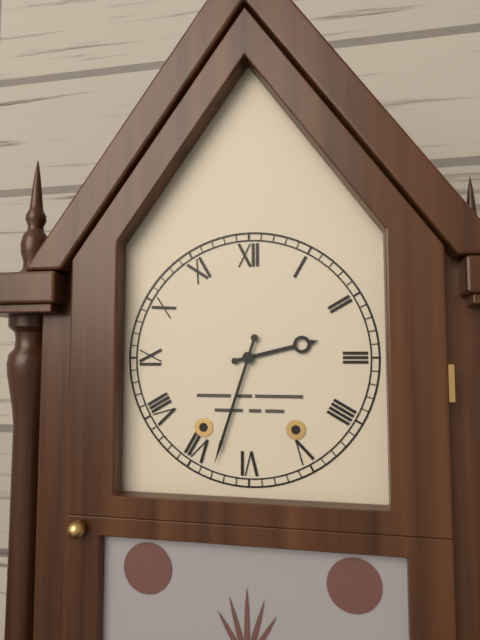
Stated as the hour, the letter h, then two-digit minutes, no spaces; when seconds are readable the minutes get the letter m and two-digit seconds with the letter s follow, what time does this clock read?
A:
2h33
